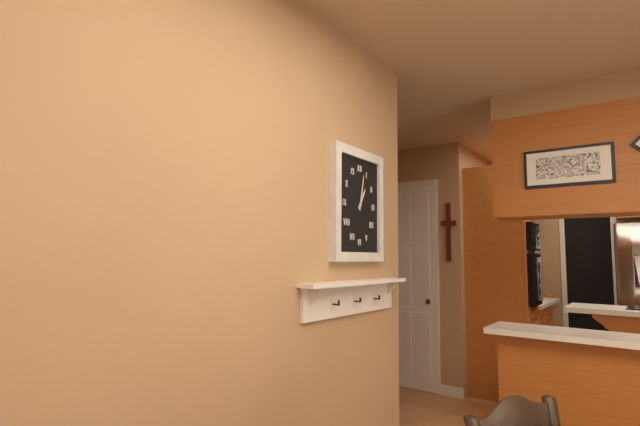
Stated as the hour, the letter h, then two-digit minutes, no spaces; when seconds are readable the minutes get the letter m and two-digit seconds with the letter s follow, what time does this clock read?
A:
1h02
